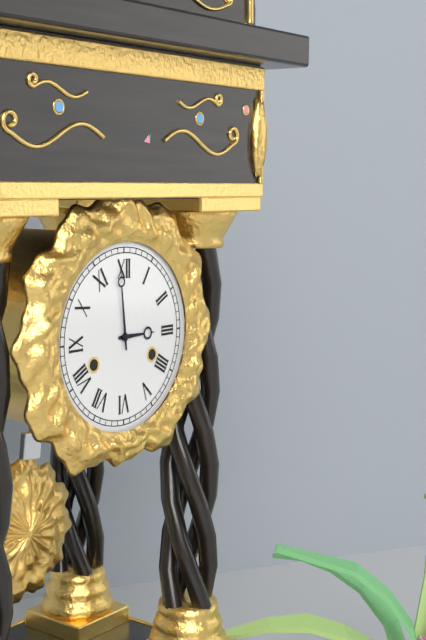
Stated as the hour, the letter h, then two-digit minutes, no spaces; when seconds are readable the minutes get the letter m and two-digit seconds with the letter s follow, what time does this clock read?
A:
2h59
